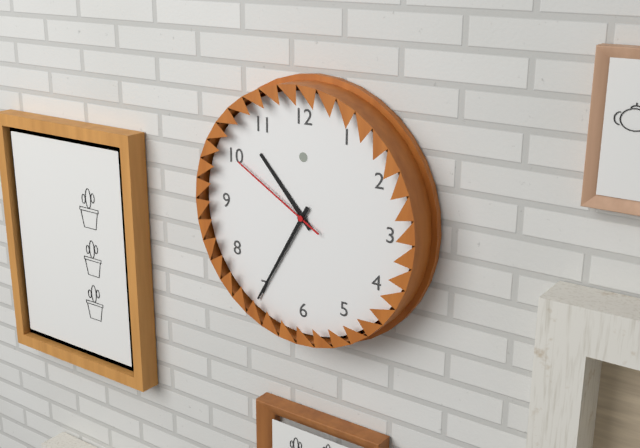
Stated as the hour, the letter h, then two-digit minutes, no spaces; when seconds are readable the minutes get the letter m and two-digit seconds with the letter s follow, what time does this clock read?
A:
10h35m50s
